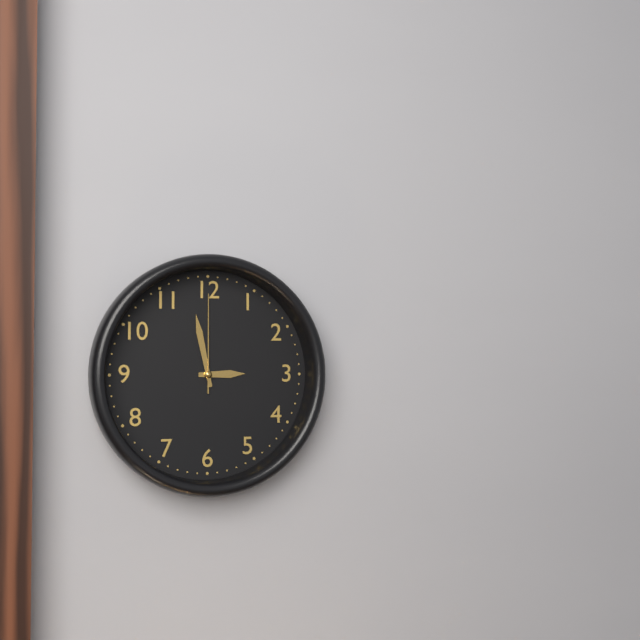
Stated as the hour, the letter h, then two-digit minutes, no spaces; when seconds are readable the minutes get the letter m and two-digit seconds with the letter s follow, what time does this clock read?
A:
2h58m00s
